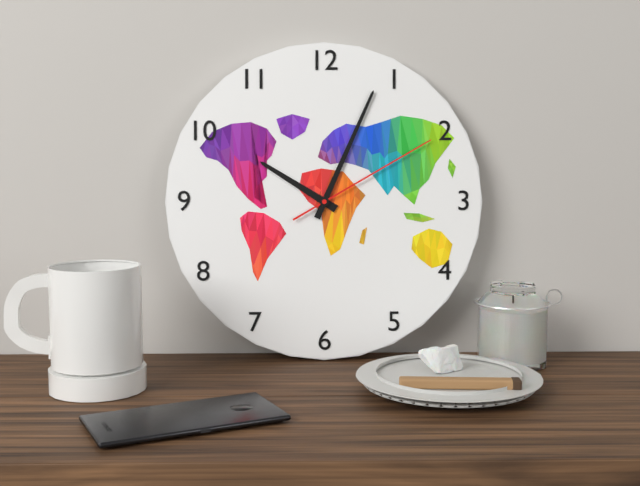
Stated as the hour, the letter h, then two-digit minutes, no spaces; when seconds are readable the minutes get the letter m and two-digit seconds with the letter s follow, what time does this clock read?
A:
10h04m10s
